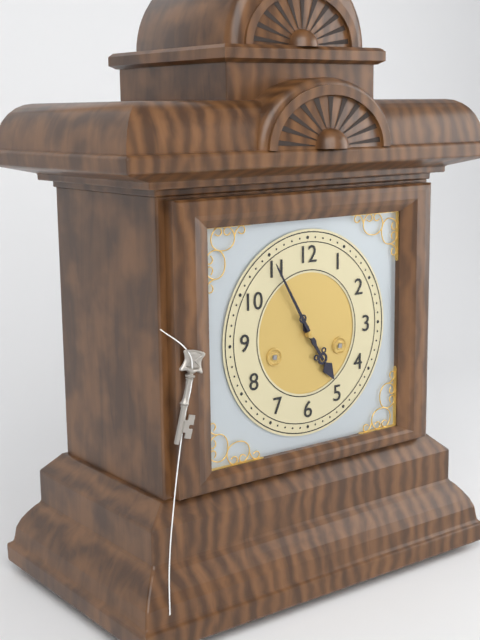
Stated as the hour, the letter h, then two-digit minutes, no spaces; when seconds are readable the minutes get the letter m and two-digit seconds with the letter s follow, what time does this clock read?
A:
4h55
